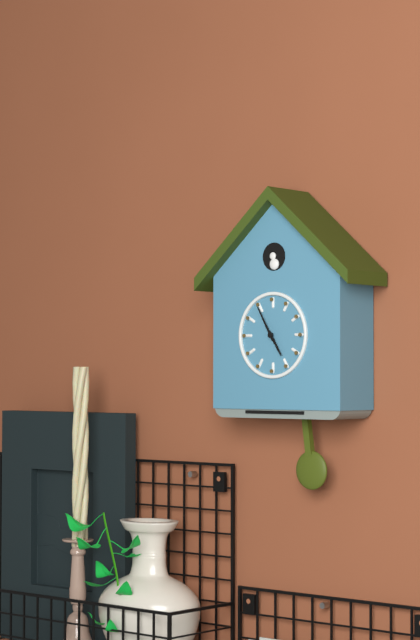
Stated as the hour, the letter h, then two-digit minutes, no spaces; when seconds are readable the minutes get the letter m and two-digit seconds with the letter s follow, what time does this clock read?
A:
4h55
